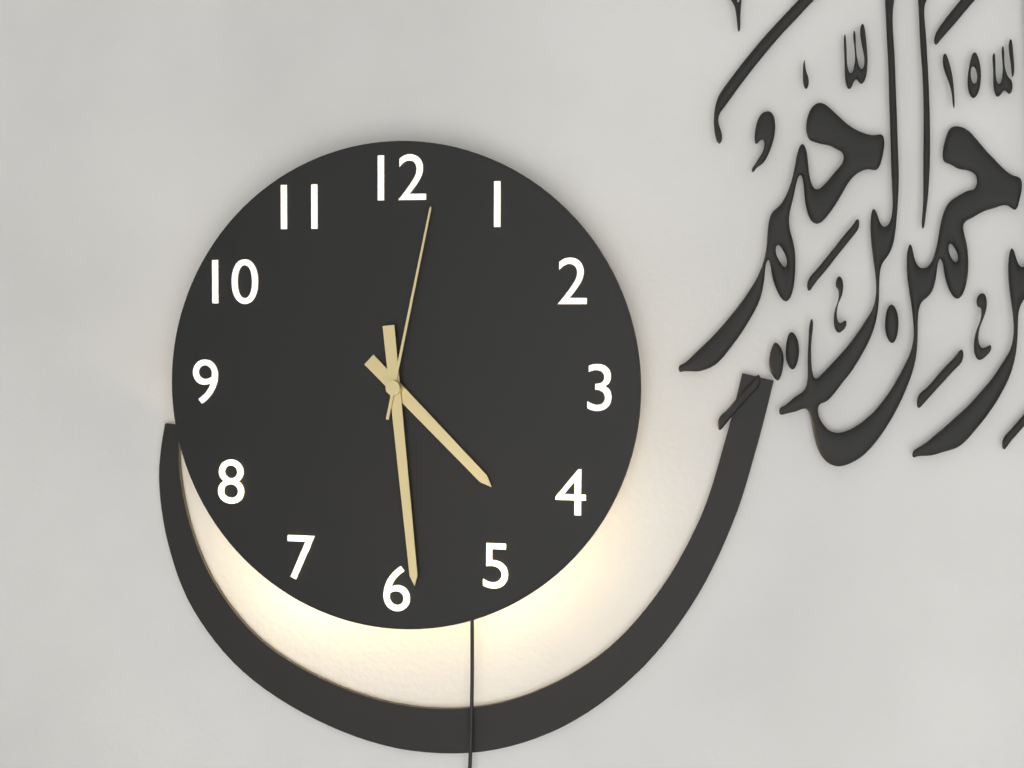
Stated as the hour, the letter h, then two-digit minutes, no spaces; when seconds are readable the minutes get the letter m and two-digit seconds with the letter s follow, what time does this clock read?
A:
4h29m02s
